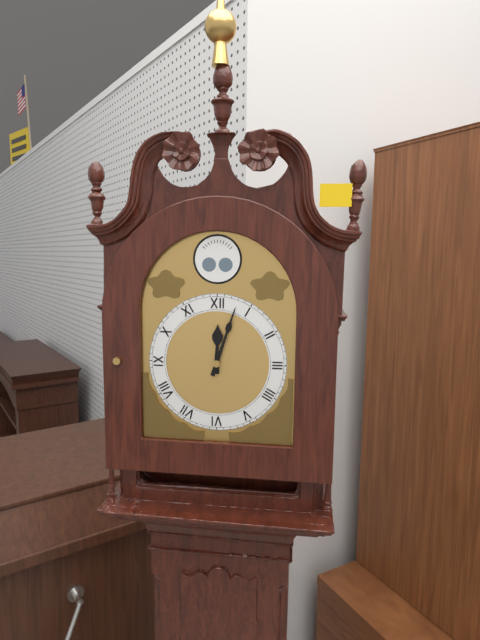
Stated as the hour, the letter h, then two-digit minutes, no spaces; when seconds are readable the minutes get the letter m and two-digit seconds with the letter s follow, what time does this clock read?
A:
12h03
